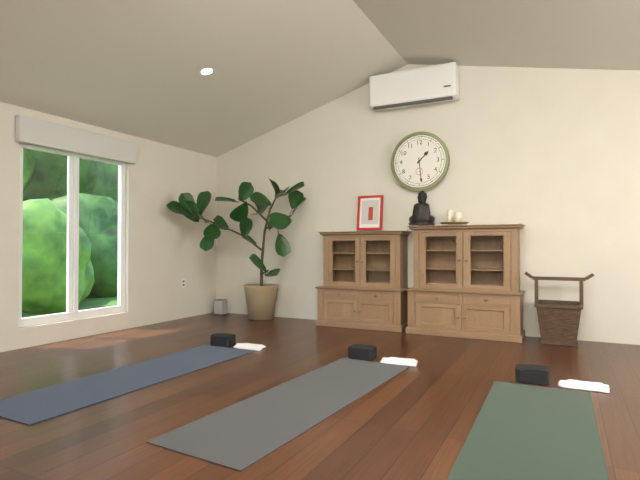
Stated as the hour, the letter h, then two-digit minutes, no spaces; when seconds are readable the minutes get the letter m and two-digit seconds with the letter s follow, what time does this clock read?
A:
1h29
